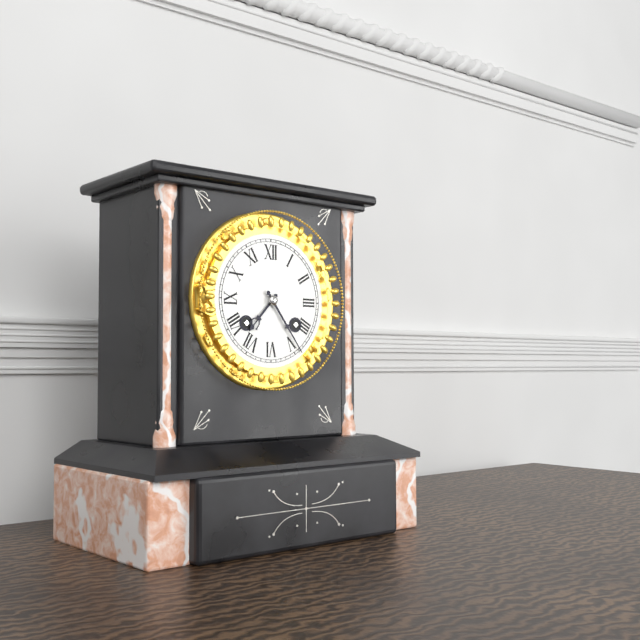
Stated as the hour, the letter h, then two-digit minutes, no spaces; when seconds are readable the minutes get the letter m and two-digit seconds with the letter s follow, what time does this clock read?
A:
7h24
